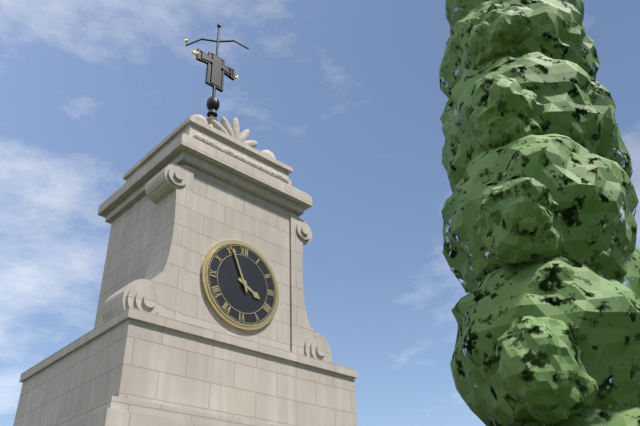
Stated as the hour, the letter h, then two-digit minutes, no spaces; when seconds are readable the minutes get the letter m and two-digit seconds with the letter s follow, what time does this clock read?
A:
3h56
